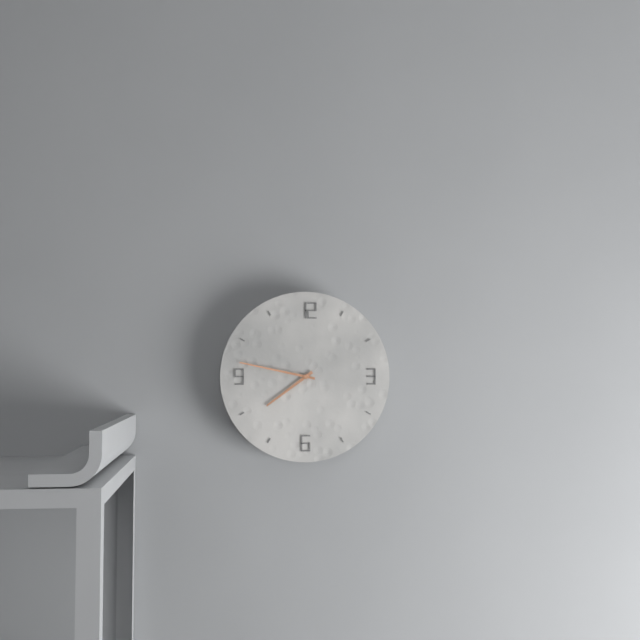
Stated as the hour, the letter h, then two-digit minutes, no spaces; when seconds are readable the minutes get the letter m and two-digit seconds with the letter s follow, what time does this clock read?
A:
7h47
